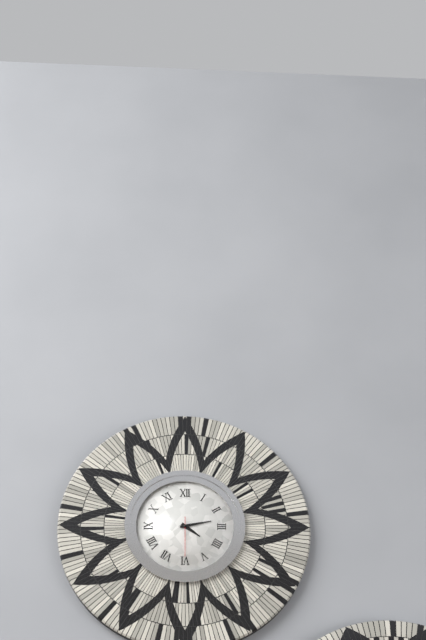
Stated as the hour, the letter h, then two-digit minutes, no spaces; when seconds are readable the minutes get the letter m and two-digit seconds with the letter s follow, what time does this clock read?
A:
4h13
